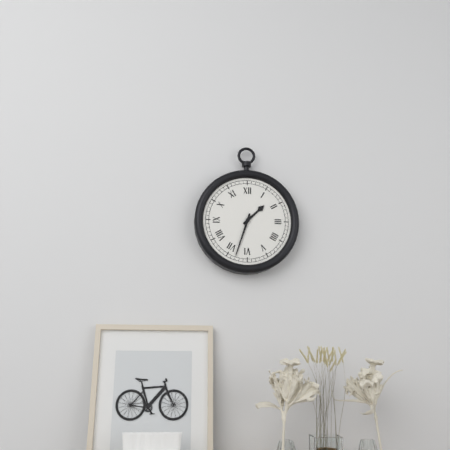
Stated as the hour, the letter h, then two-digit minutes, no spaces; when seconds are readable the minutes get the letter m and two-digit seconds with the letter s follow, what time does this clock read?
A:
1h33
